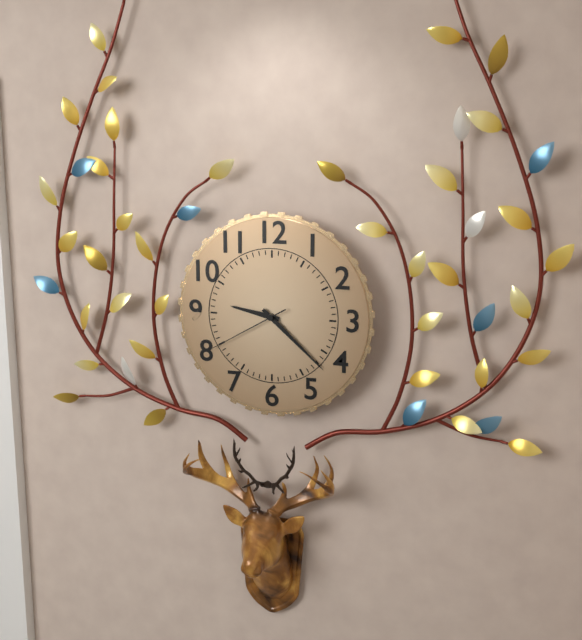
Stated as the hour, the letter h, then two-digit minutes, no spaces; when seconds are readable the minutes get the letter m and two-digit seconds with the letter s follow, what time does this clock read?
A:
9h22m40s
